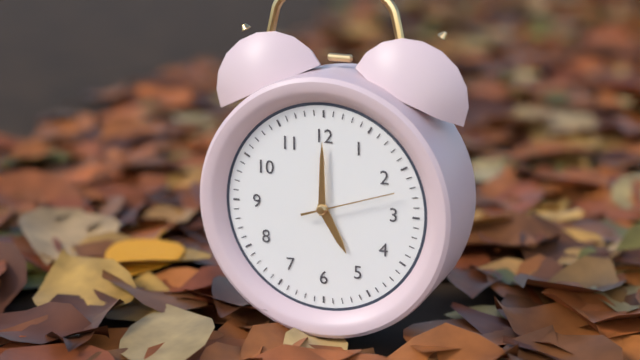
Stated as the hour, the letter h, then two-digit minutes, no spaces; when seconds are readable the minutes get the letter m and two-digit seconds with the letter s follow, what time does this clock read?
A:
5h00m12s
